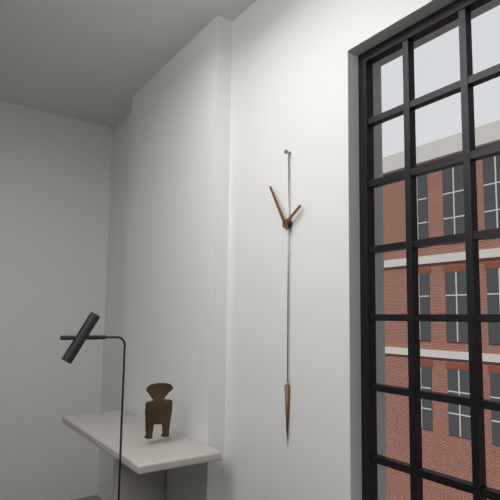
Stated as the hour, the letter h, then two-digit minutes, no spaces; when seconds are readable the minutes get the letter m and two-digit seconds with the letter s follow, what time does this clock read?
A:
1h55
